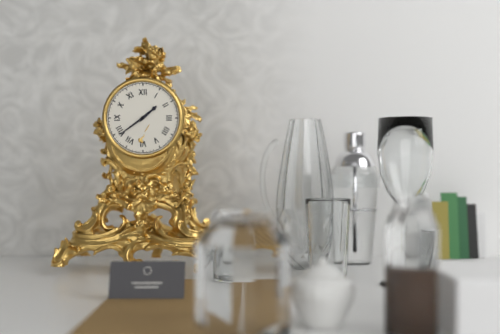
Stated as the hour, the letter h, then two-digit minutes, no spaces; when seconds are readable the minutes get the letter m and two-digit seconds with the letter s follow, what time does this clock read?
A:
1h39
